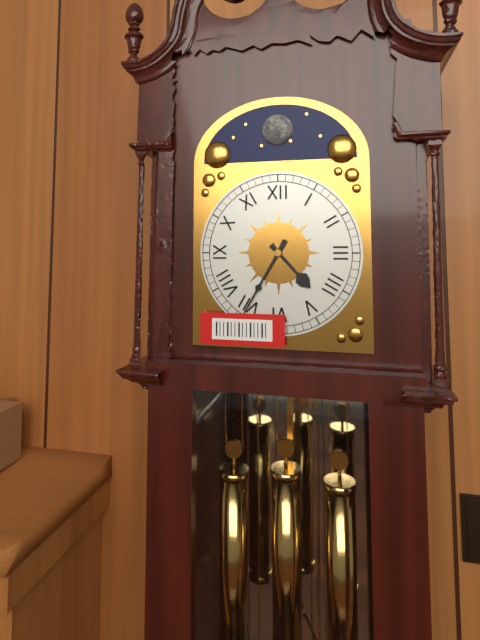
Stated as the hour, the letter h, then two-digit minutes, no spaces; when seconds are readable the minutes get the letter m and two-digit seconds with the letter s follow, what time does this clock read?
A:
4h35
